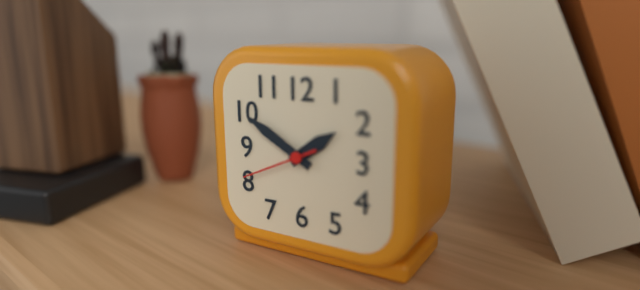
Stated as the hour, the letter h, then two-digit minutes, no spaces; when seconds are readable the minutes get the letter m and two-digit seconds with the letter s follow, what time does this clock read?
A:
1h50m41s
